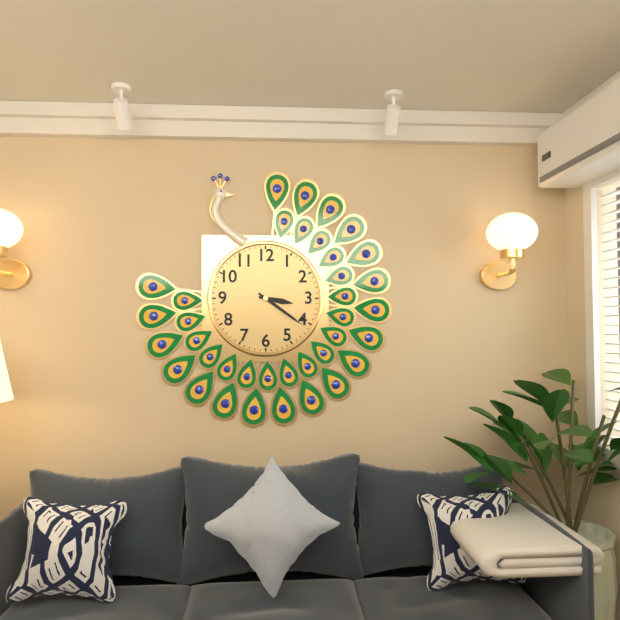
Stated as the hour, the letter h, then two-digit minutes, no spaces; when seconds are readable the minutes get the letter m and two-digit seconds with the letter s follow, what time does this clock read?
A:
3h21
